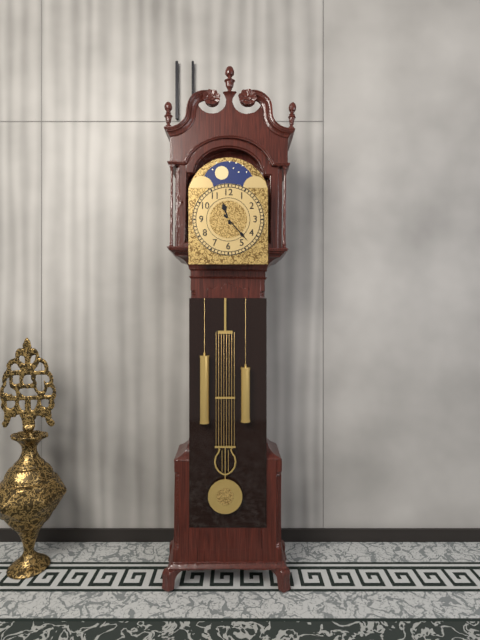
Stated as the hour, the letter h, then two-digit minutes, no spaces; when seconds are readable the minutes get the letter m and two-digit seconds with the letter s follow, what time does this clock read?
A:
11h23
